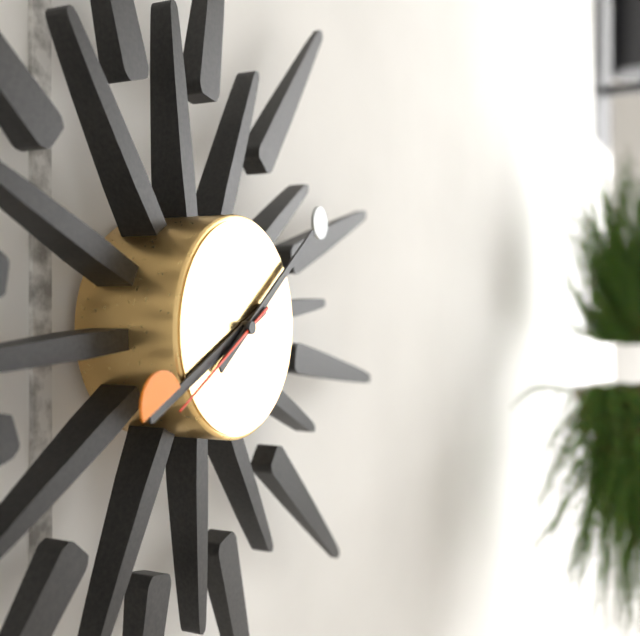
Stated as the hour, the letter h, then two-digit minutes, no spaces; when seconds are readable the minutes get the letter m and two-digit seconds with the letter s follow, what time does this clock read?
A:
8h09m40s
